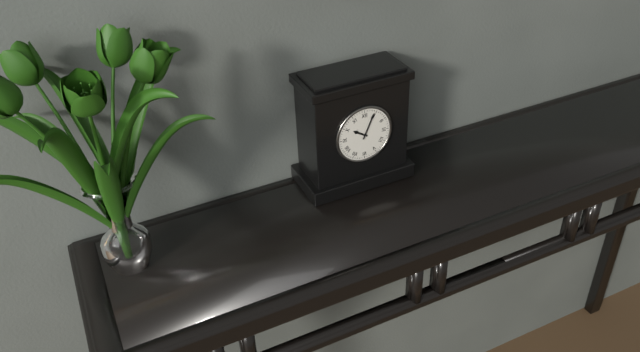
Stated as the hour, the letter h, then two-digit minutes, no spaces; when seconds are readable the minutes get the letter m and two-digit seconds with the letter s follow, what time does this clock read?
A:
10h04
